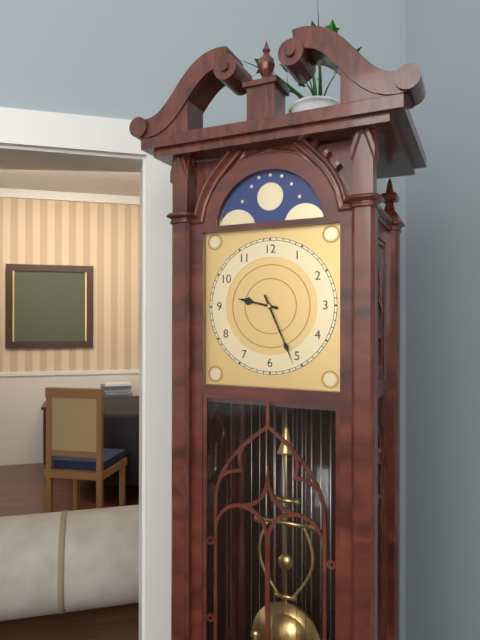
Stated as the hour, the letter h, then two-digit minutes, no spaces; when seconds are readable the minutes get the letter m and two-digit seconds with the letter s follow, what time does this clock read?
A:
9h26
